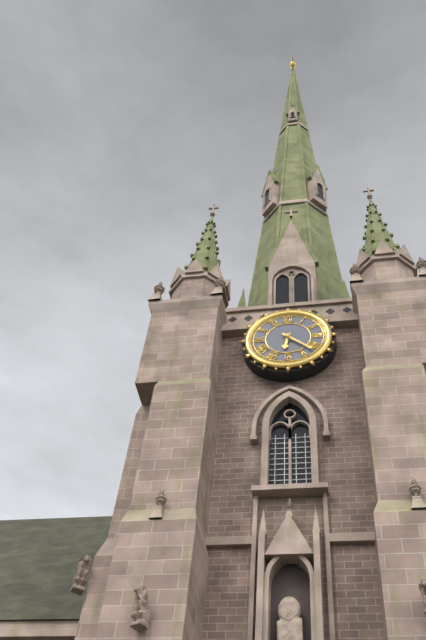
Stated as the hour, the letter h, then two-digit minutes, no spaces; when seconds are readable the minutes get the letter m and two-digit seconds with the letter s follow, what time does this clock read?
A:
6h22
